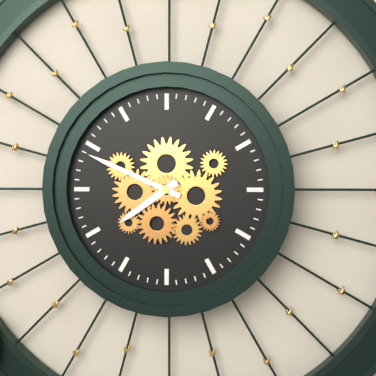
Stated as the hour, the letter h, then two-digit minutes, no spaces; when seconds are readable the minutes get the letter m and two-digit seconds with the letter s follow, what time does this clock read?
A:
7h49
